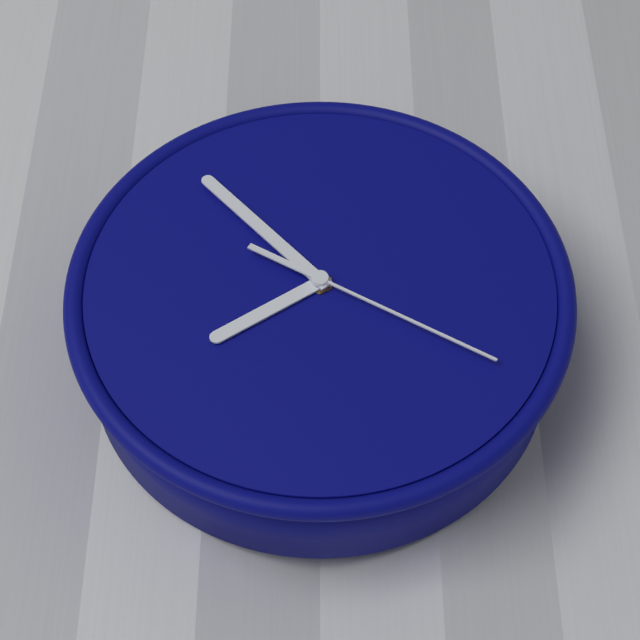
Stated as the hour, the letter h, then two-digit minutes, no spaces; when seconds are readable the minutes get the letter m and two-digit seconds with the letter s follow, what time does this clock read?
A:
7h53m20s
